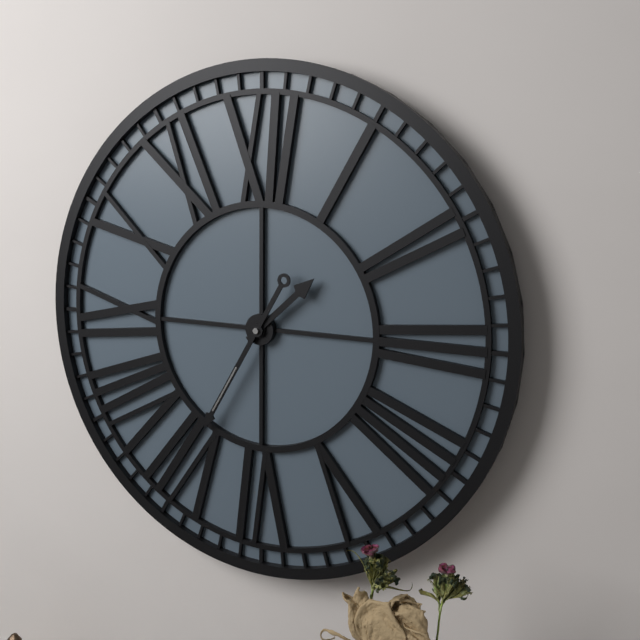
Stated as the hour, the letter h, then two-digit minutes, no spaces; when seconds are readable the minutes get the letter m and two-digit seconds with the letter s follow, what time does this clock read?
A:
1h35
